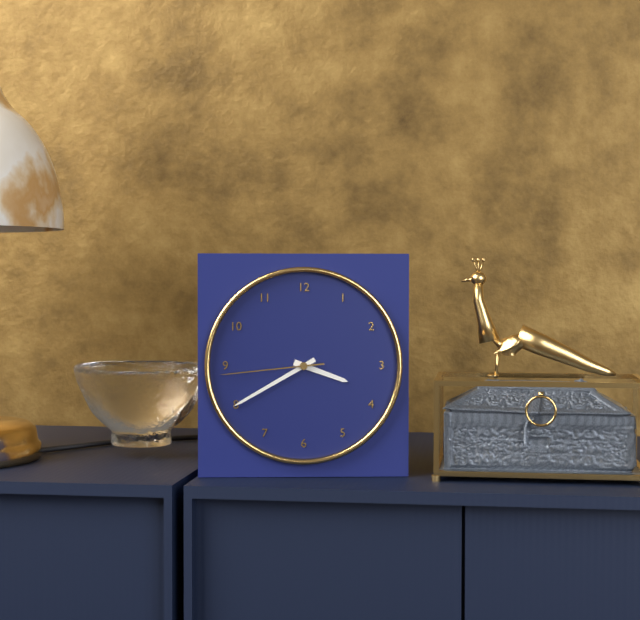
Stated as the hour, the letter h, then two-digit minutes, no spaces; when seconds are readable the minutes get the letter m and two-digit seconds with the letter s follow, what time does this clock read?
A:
3h40m44s
